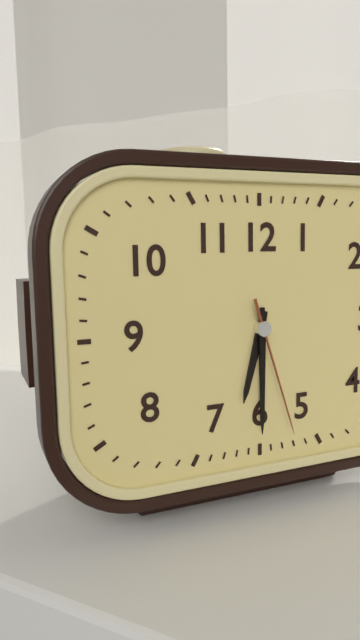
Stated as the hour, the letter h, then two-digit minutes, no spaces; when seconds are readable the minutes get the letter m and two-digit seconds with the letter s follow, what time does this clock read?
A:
6h30m27s
